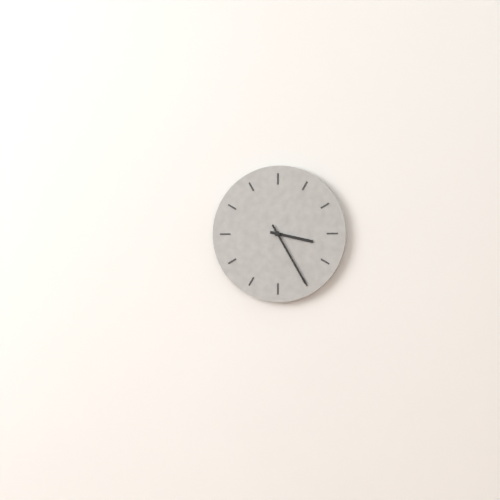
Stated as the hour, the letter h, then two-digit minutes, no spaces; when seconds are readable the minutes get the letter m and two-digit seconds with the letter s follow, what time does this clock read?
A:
3h25
